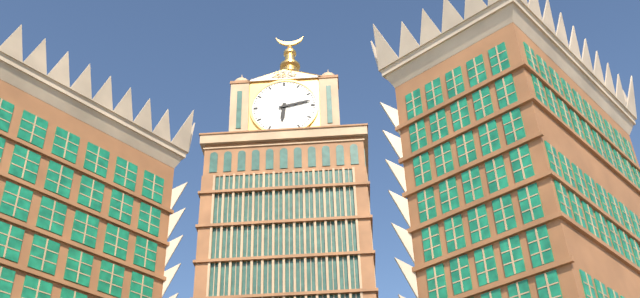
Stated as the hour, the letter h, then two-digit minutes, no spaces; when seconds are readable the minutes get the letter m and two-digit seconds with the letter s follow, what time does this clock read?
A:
6h13
